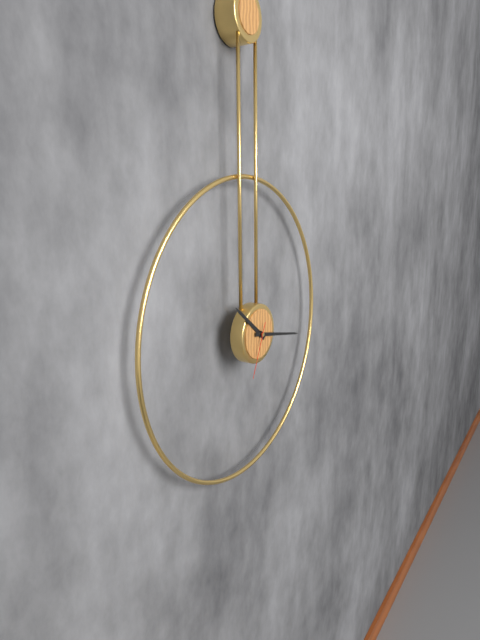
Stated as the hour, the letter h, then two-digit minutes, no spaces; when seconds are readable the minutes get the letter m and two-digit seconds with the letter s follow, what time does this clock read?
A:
10h17m34s
